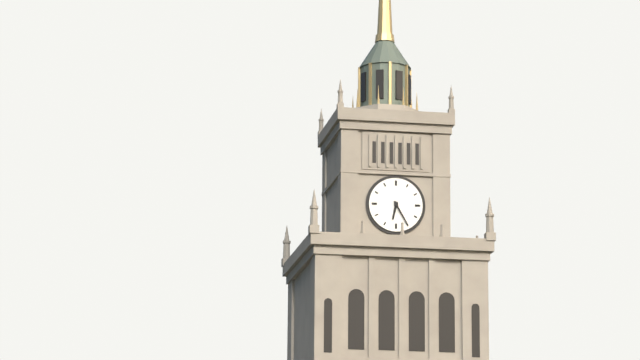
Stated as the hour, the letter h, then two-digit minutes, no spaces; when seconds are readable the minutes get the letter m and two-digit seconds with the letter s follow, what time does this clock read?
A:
6h25
